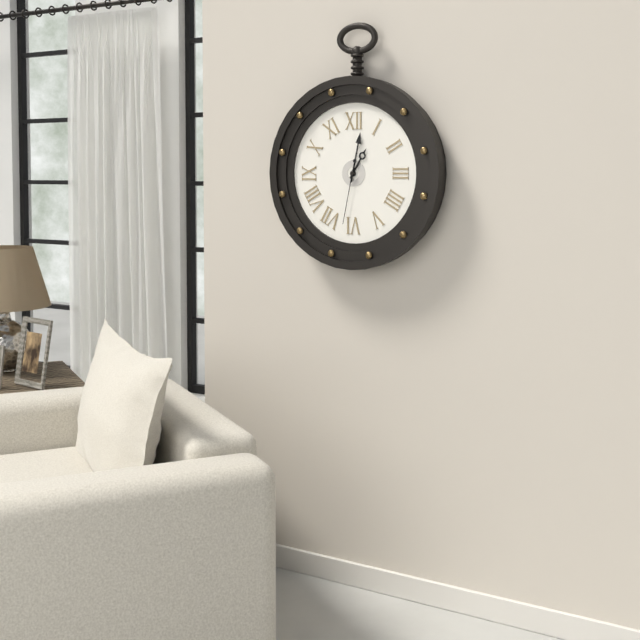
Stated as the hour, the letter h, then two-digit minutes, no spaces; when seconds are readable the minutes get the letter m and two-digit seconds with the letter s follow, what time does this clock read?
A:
1h02m32s
